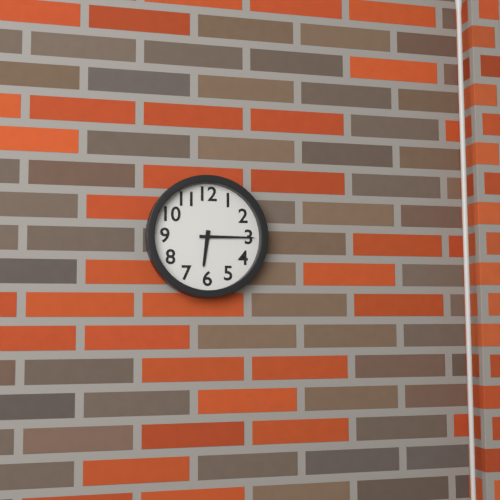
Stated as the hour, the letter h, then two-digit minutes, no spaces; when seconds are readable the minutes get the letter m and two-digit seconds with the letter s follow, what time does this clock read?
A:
6h15
